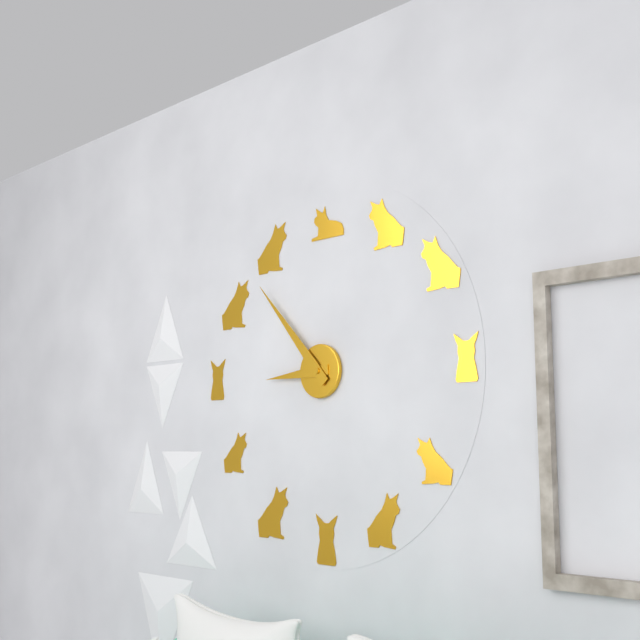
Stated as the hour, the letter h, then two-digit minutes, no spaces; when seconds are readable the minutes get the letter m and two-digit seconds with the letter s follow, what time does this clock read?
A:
8h53
